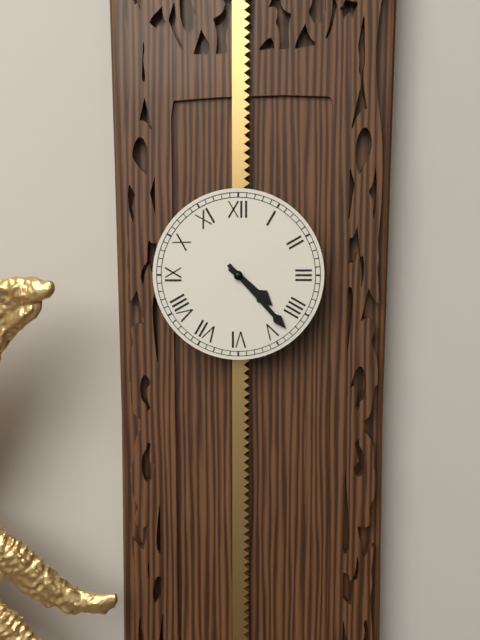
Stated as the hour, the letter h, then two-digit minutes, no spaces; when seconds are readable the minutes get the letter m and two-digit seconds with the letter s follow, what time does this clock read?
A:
4h23
